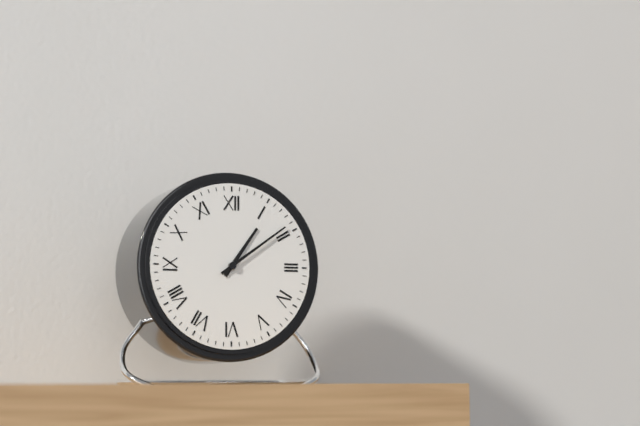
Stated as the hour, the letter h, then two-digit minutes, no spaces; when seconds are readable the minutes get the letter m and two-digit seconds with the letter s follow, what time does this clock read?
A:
1h09
